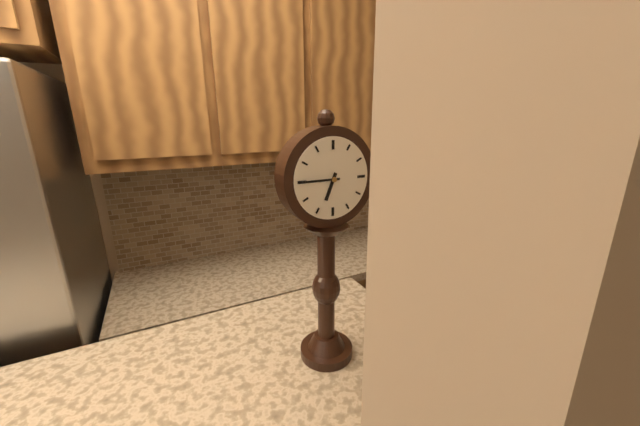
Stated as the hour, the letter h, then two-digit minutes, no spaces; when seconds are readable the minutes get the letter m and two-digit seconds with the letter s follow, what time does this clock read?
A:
6h45
